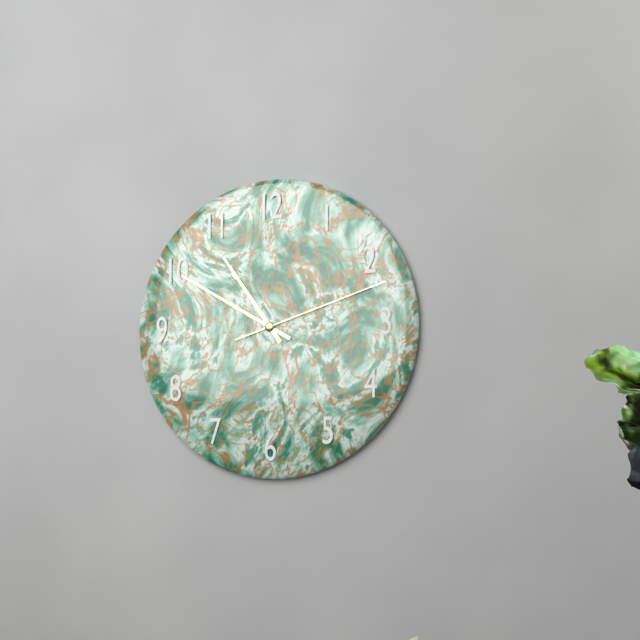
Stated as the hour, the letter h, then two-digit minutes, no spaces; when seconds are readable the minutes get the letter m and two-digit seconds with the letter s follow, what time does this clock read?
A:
10h50m12s
